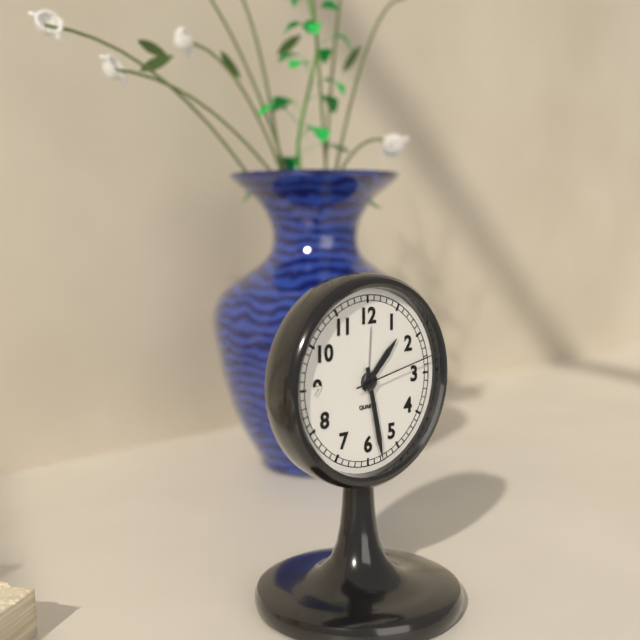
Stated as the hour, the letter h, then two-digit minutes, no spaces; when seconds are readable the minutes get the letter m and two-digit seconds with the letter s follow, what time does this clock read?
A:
1h28m13s
